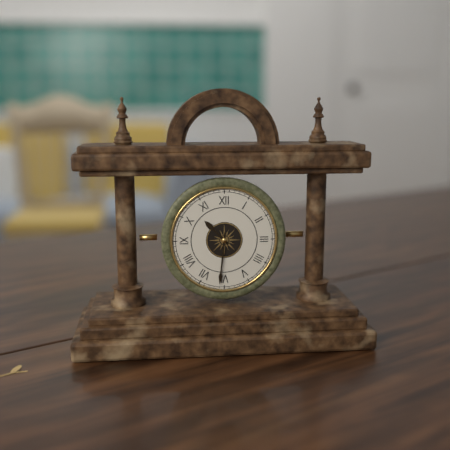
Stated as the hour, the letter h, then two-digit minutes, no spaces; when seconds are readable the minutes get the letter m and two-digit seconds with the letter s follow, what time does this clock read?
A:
10h31
